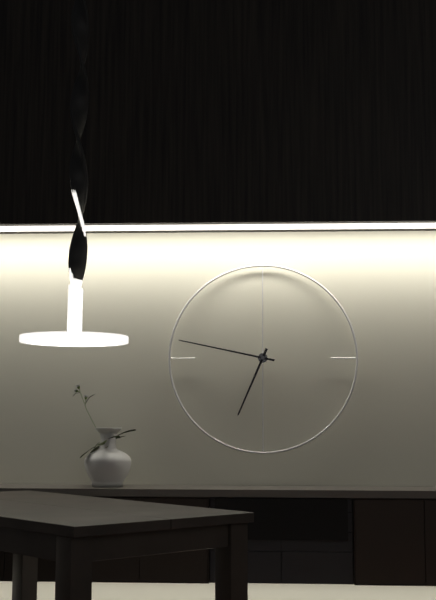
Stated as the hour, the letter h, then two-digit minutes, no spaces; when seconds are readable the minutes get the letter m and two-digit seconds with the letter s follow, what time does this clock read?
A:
6h47
